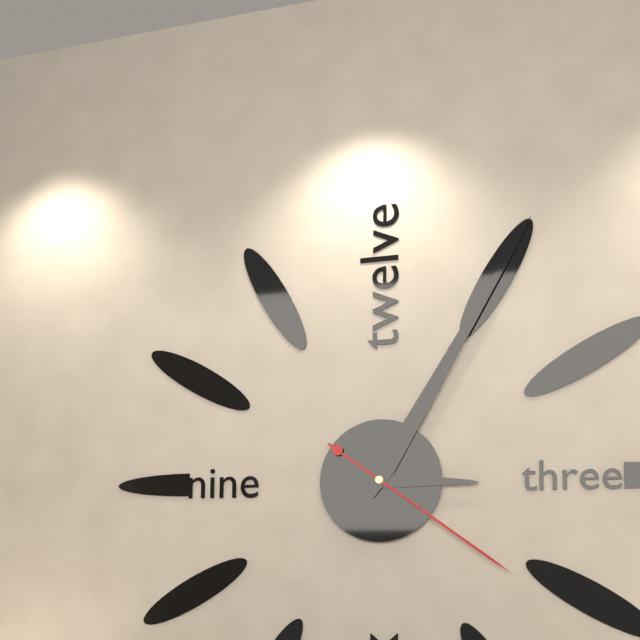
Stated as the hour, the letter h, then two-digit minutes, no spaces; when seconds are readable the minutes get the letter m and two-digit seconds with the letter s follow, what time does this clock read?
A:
3h05m21s
